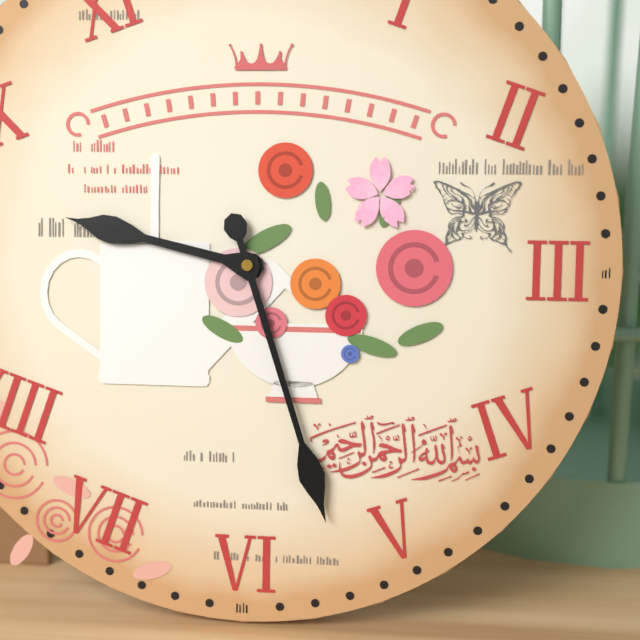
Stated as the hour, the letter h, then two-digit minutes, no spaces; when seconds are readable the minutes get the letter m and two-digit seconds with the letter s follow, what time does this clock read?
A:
9h27
